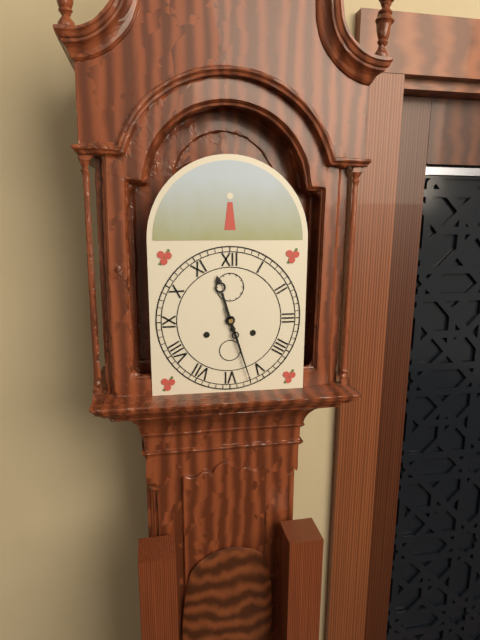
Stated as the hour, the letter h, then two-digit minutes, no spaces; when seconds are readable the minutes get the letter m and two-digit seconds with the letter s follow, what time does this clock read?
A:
11h27
